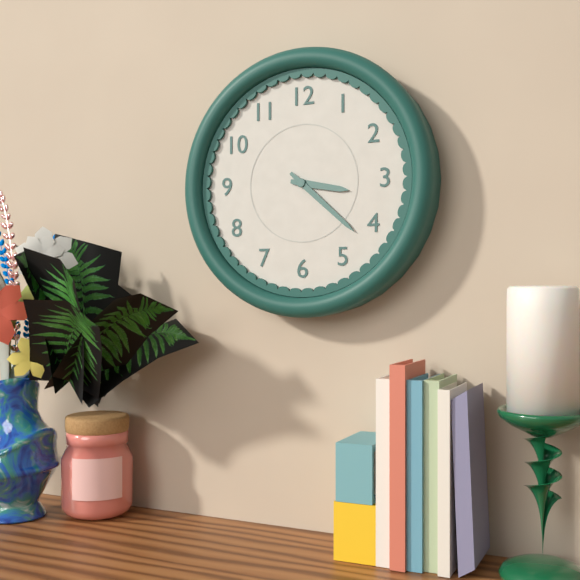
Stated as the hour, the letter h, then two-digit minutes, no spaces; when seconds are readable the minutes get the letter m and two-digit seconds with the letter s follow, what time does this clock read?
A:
3h22
